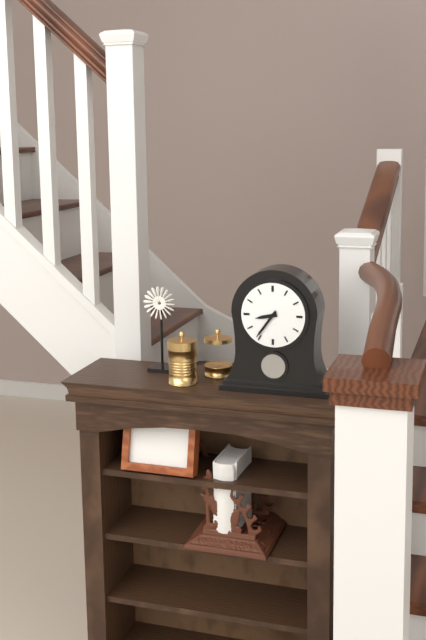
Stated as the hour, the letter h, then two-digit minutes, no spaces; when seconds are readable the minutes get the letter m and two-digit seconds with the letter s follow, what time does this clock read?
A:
8h36
